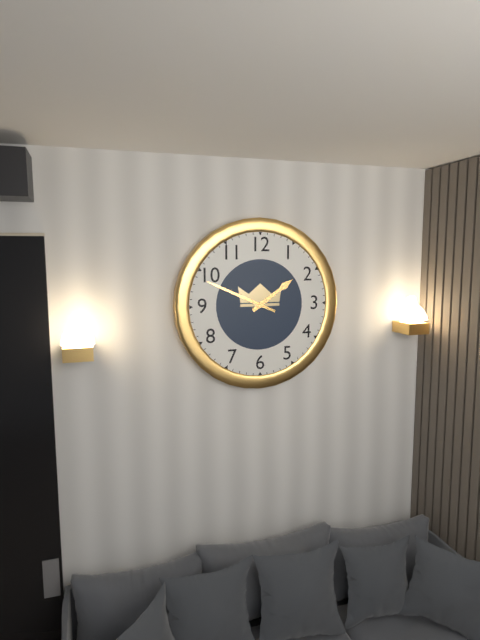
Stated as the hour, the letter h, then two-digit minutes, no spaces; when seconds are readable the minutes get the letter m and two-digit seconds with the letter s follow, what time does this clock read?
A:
1h49
